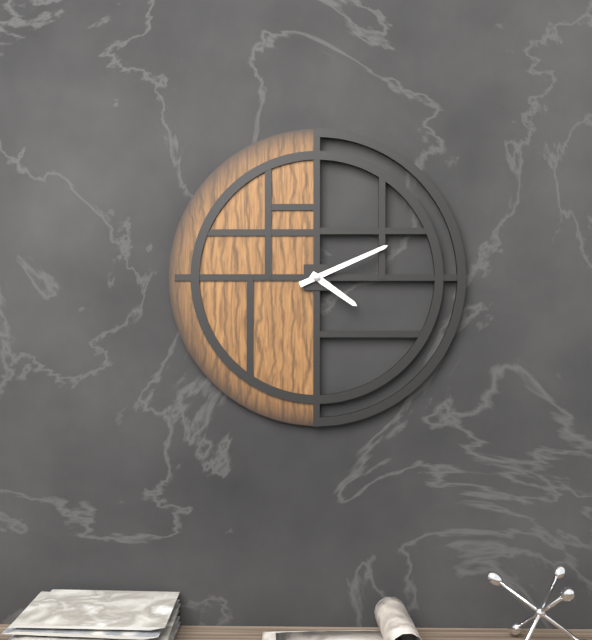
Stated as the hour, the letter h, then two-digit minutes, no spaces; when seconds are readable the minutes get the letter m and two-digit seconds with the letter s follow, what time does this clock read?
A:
4h11
